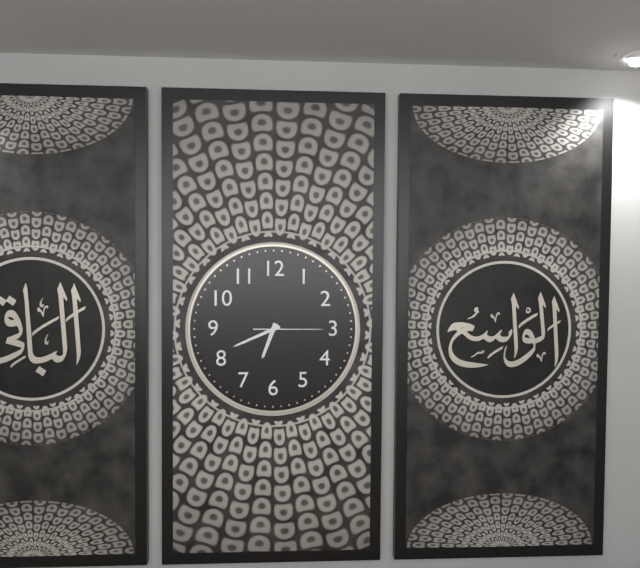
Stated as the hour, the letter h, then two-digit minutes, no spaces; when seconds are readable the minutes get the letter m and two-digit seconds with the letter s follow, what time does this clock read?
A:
6h41m15s
